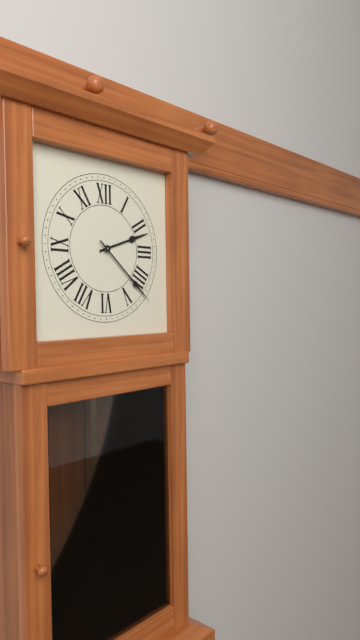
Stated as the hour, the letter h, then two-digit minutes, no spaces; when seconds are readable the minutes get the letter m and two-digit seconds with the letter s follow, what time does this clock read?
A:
2h22
